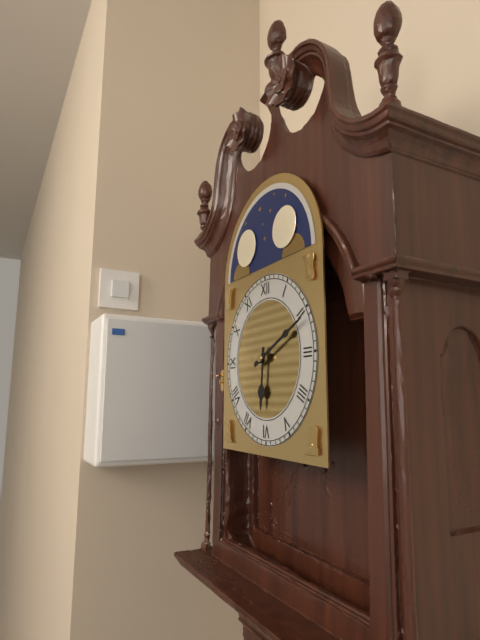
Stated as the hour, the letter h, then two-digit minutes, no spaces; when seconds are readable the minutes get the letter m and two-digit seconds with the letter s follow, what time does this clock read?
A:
6h11
